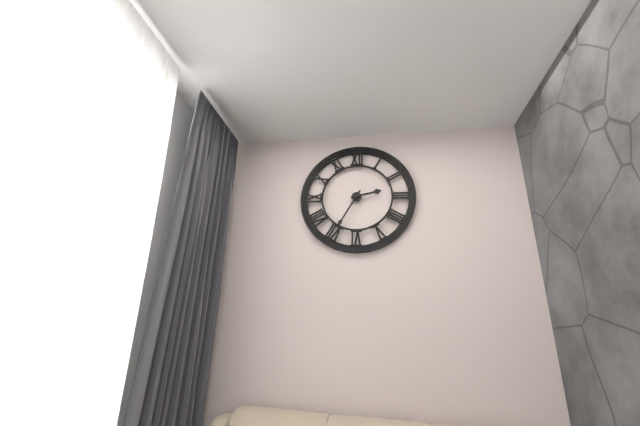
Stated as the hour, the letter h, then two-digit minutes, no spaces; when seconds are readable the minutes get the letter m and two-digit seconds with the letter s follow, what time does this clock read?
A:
2h35
